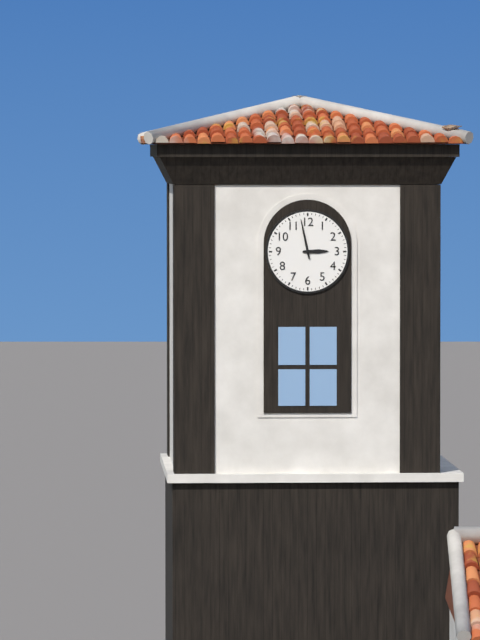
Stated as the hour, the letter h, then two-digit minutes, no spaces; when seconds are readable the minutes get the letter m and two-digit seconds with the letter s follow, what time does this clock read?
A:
2h58
